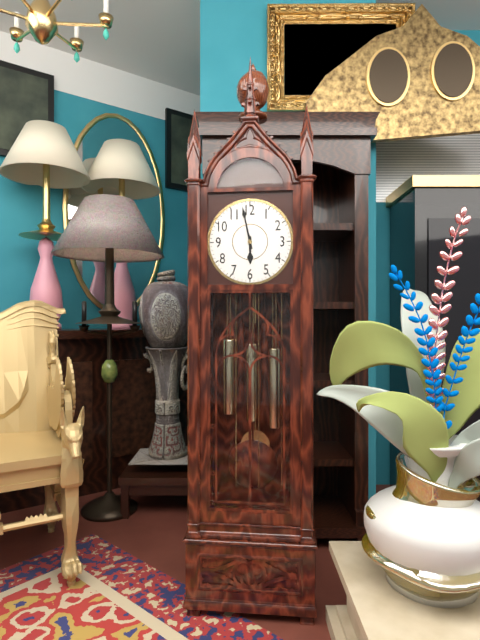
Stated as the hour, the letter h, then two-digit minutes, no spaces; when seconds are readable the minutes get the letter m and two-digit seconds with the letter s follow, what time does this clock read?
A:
5h58
